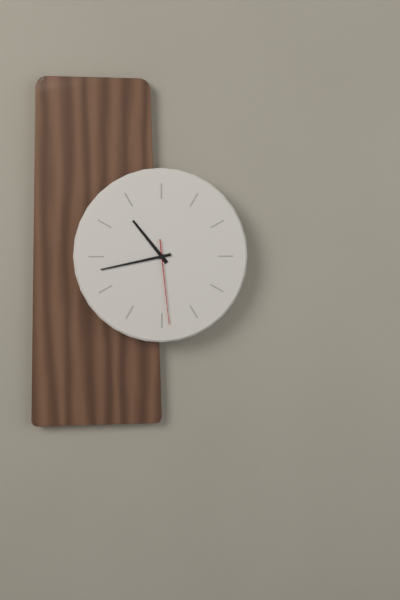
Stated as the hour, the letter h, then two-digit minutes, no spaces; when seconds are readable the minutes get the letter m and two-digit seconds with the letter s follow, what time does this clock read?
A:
10h43m29s
